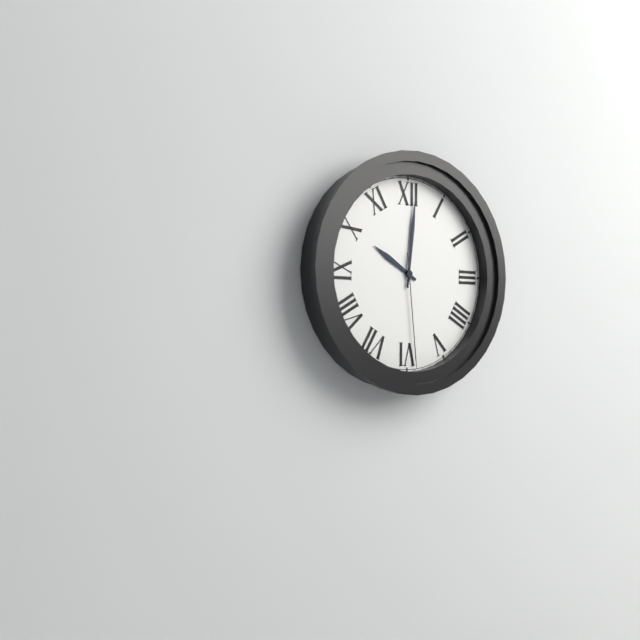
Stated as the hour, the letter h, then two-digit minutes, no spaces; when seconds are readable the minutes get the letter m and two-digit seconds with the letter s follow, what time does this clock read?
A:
10h01m29s
